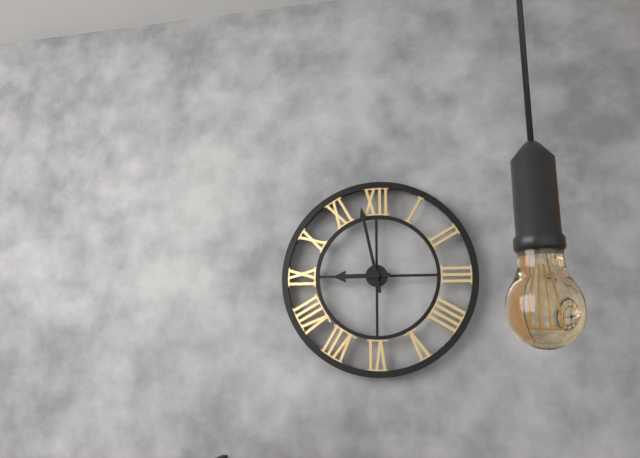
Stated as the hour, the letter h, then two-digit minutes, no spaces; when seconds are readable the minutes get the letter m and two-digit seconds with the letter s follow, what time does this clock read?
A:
8h58
